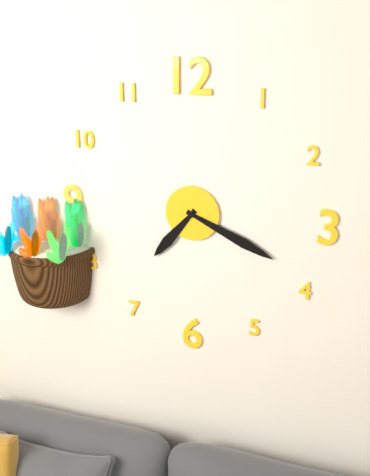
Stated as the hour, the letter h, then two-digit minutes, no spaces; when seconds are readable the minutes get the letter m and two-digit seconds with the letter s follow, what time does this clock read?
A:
7h19
